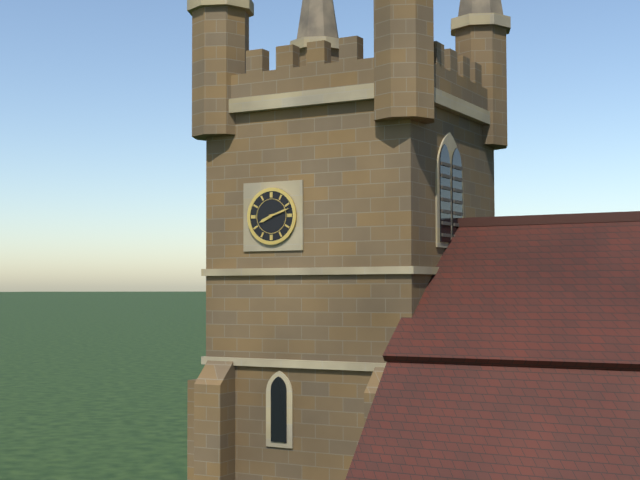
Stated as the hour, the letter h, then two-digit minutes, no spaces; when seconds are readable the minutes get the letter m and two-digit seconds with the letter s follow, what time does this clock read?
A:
8h12
